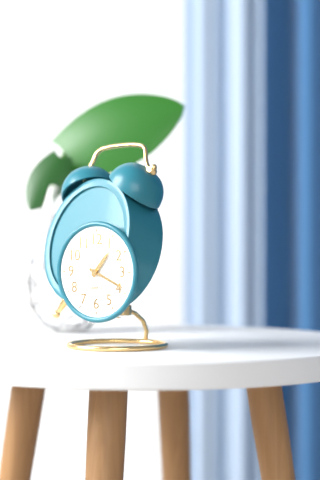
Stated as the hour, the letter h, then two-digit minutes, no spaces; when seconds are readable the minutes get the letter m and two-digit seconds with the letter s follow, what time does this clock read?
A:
1h19
